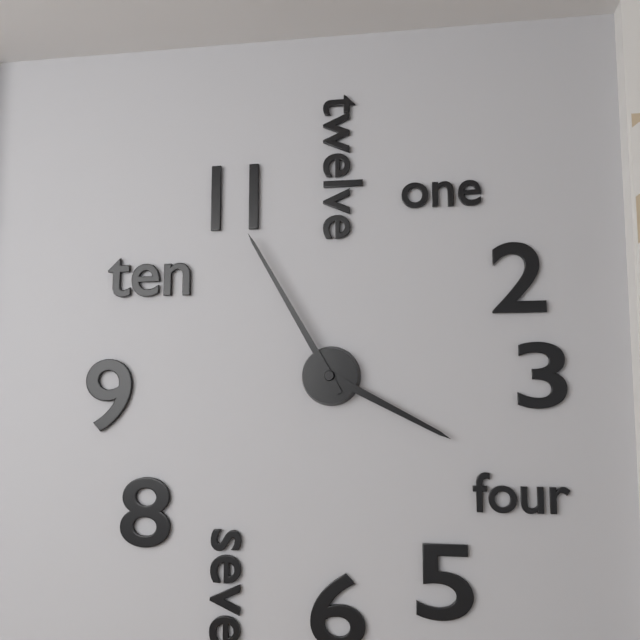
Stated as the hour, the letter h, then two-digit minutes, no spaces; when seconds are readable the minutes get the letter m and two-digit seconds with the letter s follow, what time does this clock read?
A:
3h55
